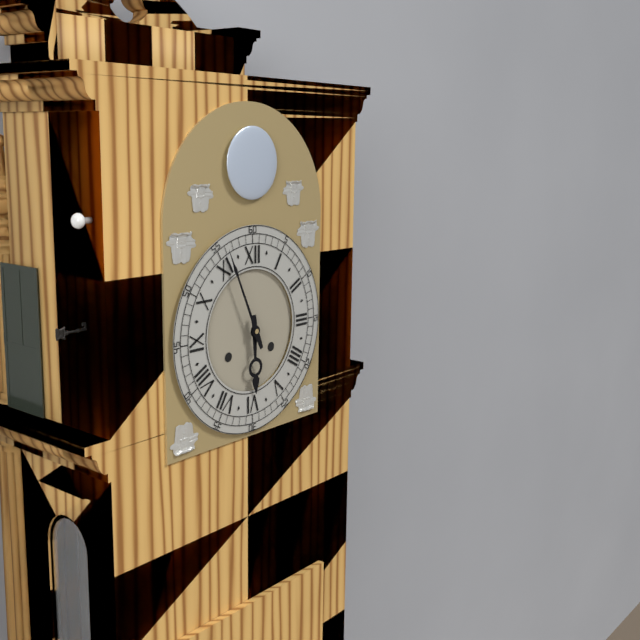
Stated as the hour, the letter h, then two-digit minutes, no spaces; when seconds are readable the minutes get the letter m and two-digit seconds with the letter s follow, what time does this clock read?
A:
5h56
